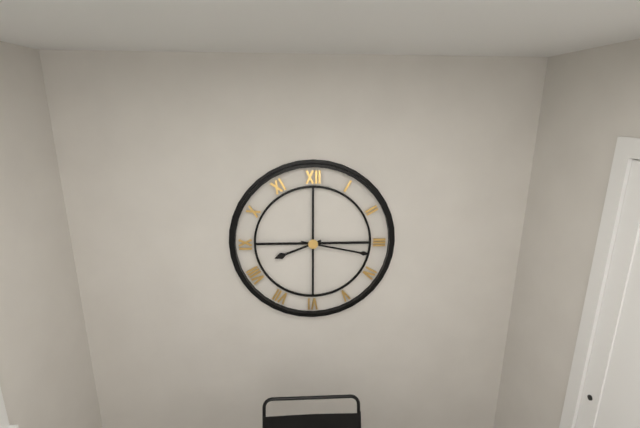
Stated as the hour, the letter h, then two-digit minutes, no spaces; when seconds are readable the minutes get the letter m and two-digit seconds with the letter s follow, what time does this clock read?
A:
8h17
